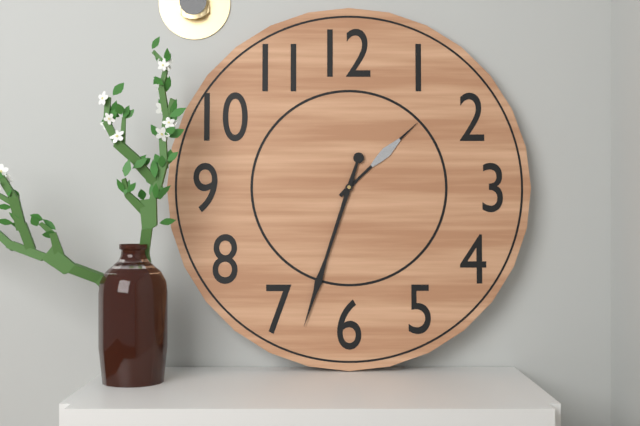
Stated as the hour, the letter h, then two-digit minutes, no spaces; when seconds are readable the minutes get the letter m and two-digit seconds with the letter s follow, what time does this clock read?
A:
1h33
